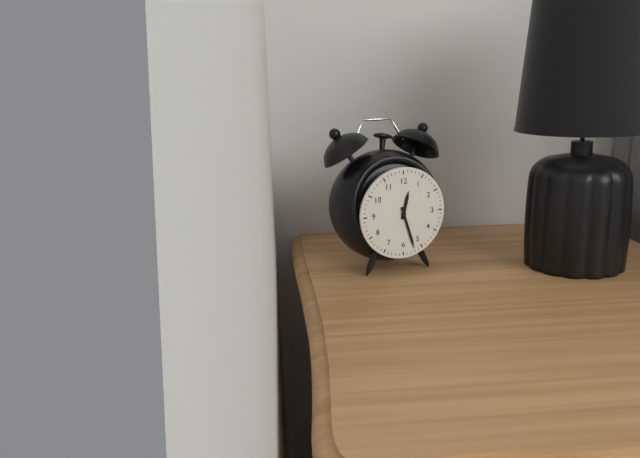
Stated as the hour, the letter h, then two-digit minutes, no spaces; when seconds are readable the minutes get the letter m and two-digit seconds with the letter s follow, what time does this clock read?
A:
12h27
